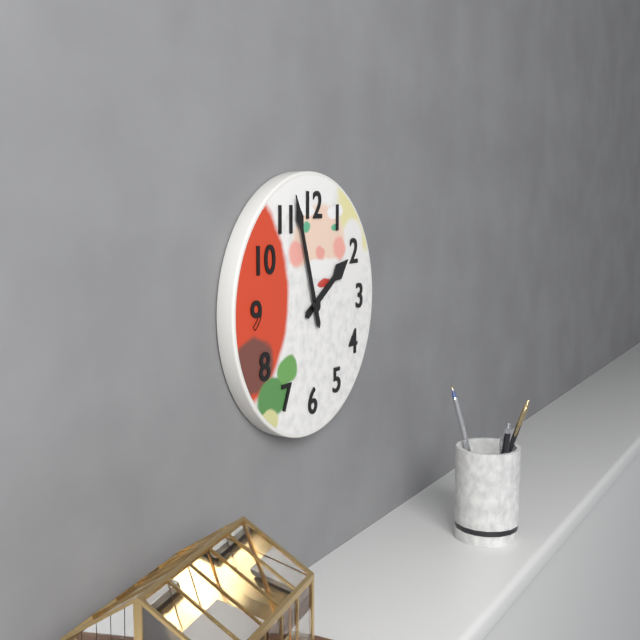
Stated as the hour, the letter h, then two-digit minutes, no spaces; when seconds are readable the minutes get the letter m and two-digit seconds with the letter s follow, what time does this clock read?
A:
1h57
